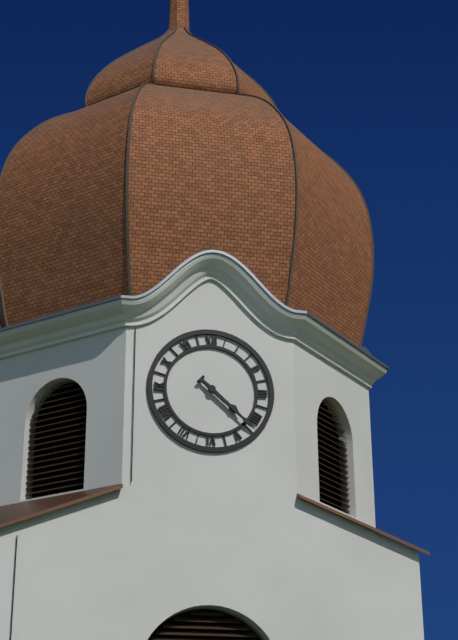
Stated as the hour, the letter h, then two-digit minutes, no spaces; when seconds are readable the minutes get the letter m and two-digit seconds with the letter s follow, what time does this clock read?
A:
4h22
